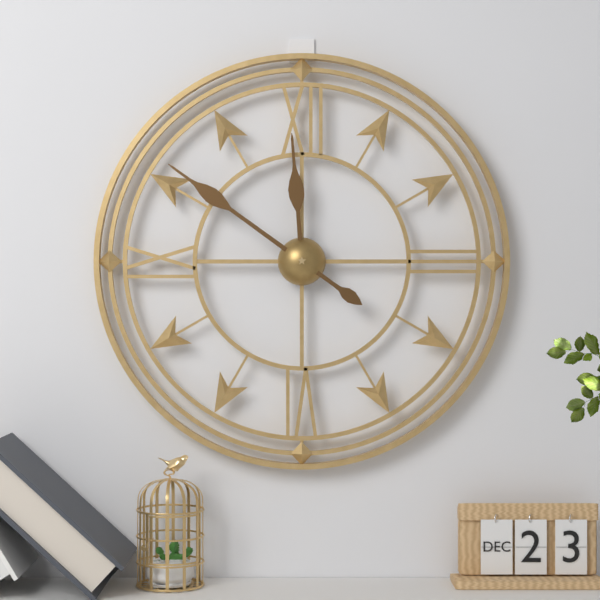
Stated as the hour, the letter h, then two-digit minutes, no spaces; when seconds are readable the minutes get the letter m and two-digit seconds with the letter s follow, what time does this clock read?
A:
11h51
